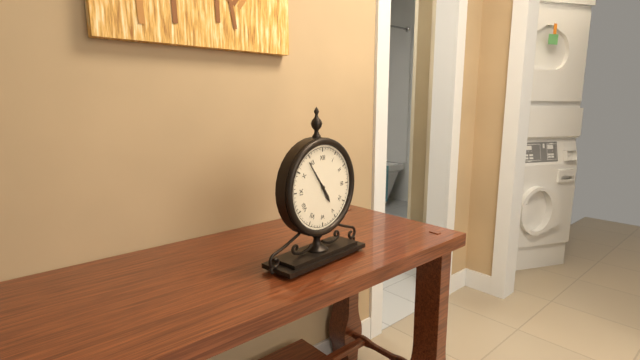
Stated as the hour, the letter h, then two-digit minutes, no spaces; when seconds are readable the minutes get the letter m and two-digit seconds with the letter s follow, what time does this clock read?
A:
4h54
